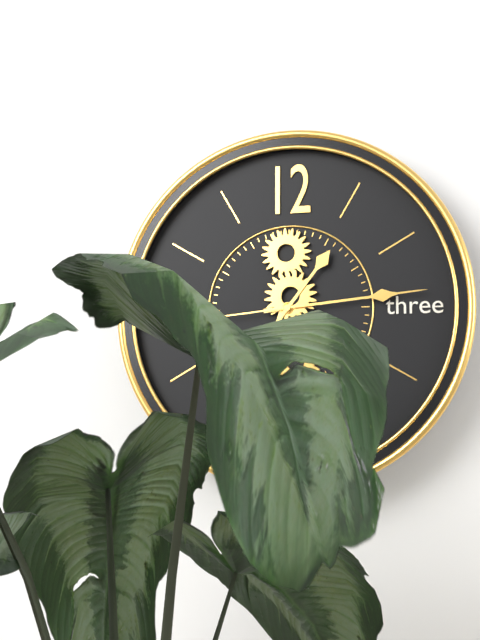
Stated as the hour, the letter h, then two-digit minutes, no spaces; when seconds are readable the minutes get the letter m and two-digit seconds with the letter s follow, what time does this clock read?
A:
1h14
